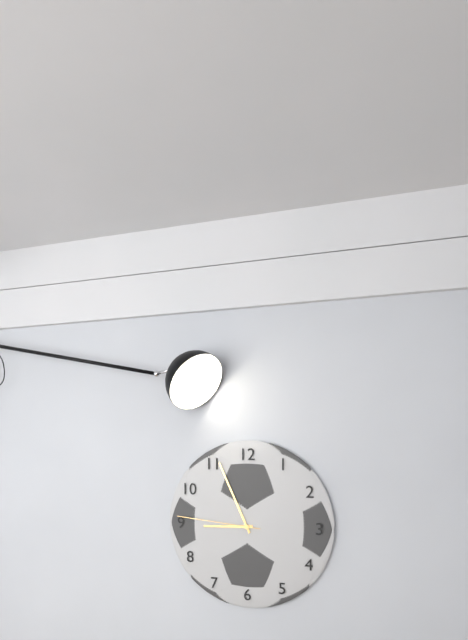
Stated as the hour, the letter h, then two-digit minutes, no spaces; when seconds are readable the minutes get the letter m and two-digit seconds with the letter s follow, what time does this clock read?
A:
8h56m46s
